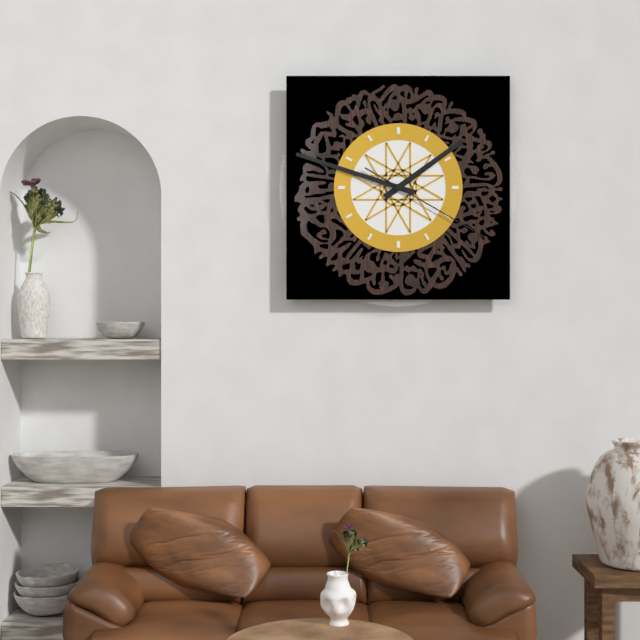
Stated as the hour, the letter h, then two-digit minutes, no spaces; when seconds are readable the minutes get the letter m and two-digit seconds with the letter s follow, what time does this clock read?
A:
1h48m20s
